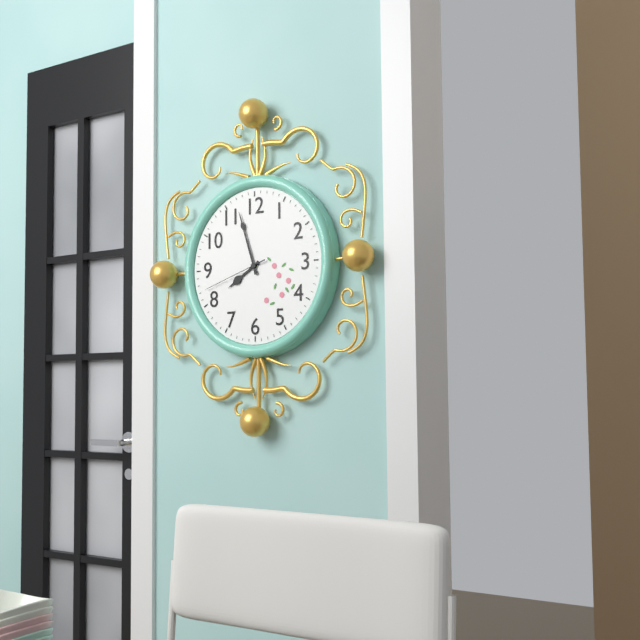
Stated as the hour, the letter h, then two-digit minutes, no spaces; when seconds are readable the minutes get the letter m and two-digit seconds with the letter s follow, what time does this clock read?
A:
7h57m42s
